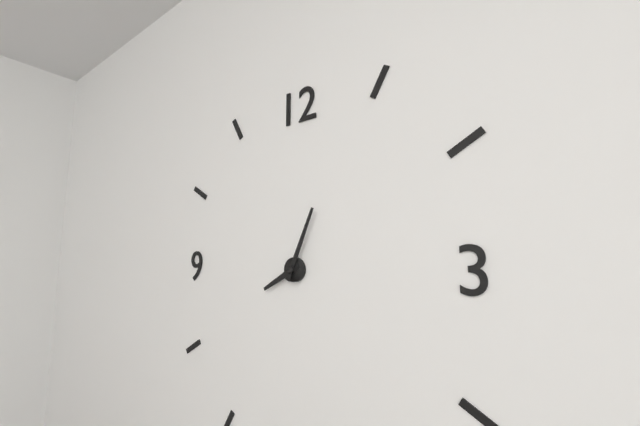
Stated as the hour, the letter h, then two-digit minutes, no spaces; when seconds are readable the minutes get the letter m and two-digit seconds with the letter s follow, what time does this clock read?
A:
8h04
